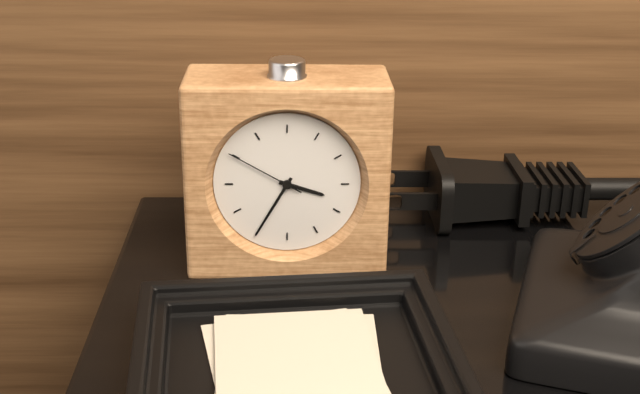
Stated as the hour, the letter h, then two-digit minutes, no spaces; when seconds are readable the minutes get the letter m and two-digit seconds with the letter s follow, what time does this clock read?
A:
3h35m50s
